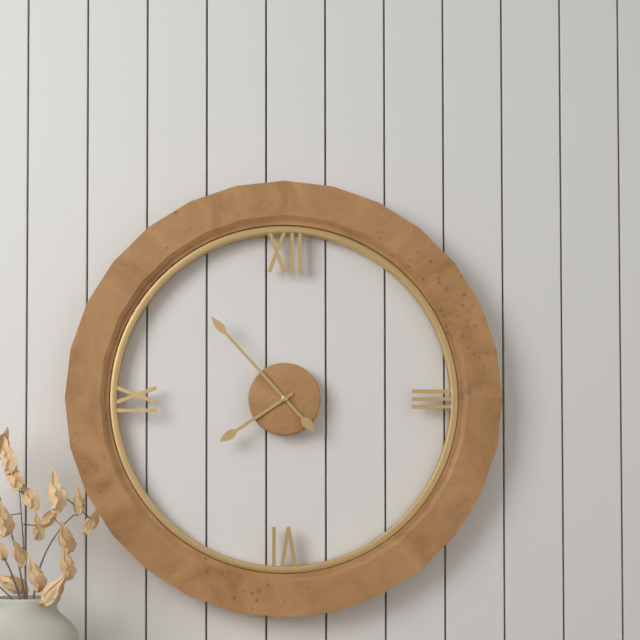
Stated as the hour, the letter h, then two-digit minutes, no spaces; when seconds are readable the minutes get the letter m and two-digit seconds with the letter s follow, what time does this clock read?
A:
7h53
